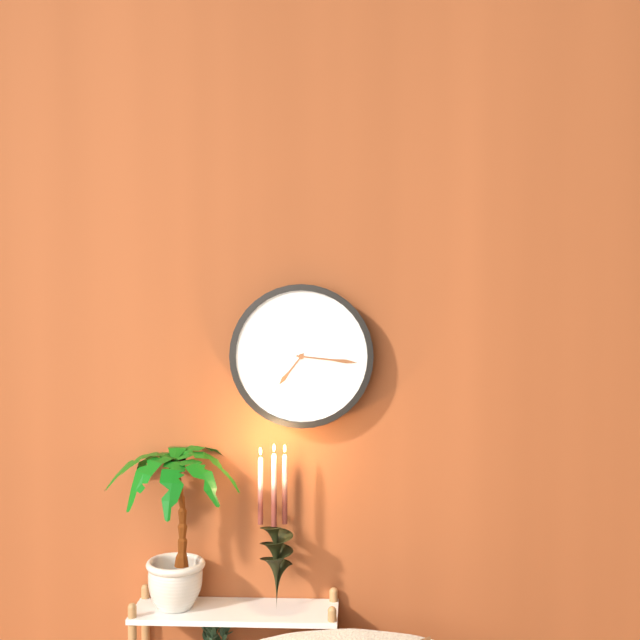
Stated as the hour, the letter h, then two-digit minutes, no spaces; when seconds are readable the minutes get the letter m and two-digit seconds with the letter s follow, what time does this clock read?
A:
7h16
